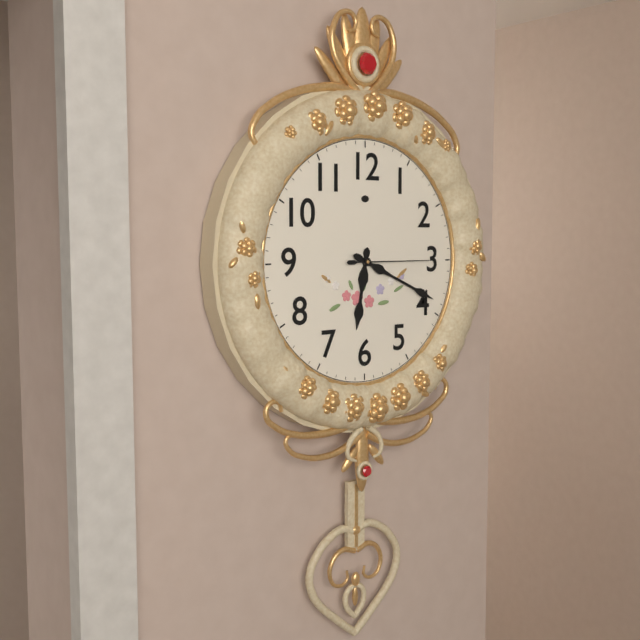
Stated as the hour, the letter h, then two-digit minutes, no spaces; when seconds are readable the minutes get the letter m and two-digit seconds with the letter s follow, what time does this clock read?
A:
6h19m15s
